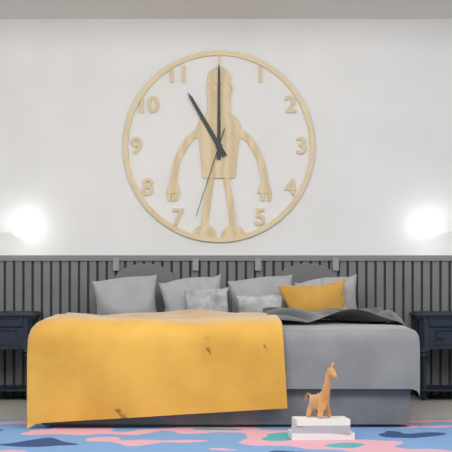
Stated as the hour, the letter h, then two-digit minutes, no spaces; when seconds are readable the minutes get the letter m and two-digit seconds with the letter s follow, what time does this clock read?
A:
11h00m33s
